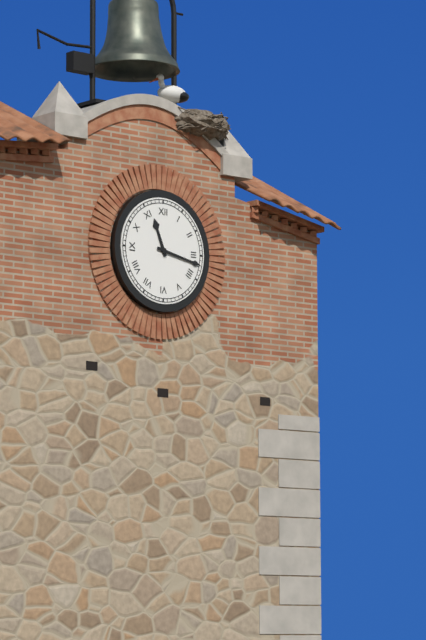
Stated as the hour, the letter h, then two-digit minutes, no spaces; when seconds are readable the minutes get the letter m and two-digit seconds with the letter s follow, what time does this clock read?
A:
11h17
